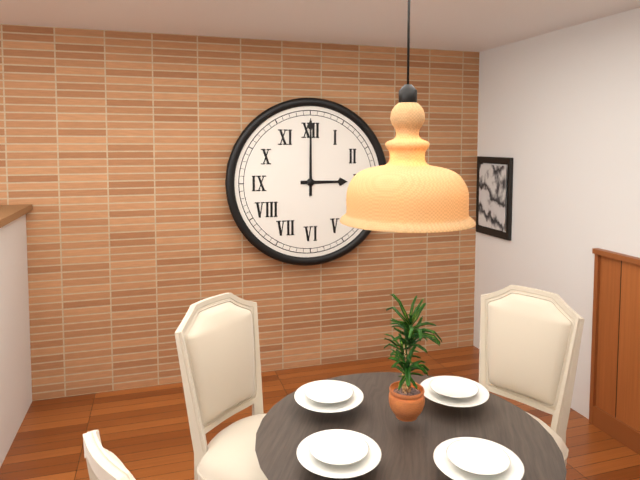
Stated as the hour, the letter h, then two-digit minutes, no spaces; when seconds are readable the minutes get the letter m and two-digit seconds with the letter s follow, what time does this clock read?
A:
3h00
